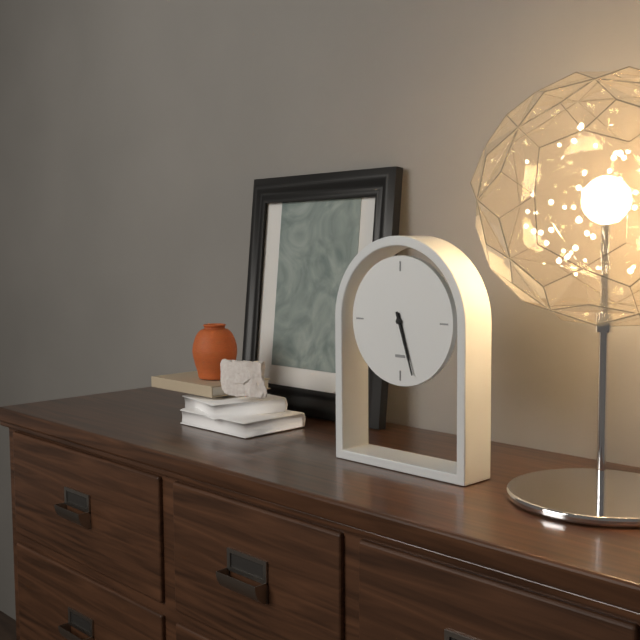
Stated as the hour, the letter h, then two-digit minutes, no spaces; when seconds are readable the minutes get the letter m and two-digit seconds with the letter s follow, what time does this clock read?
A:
5h27
